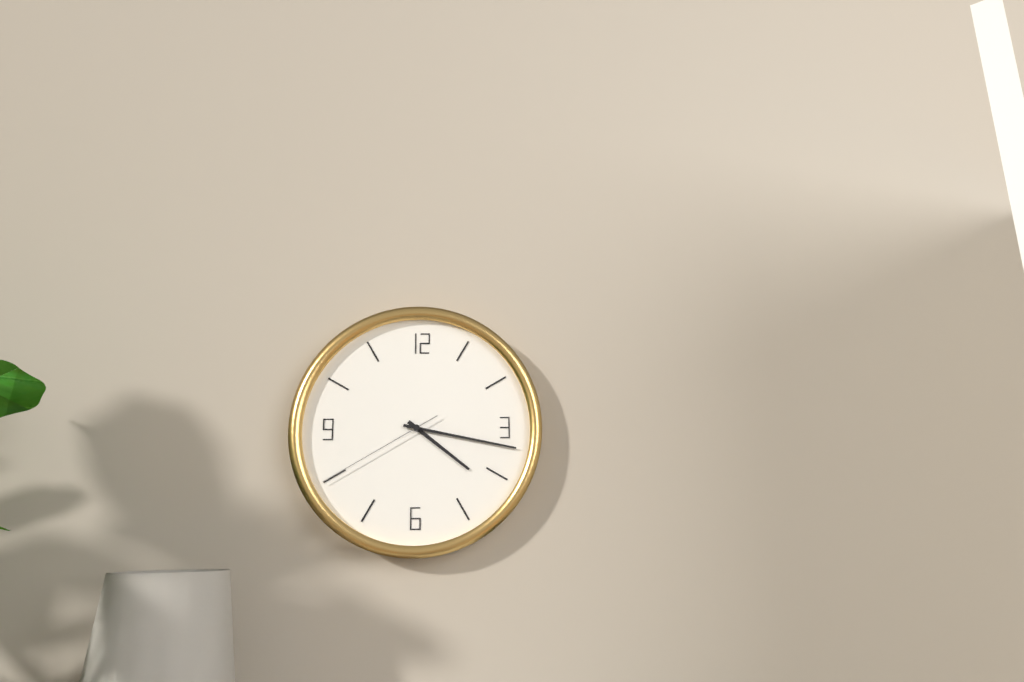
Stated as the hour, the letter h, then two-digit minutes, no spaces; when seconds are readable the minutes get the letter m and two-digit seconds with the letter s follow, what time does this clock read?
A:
4h17m40s
